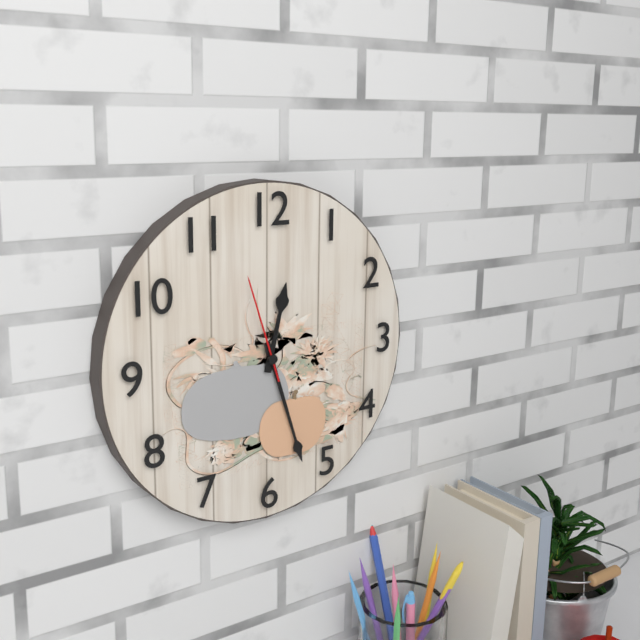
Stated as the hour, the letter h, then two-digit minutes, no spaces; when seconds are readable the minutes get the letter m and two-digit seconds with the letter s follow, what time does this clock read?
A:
12h27m57s
